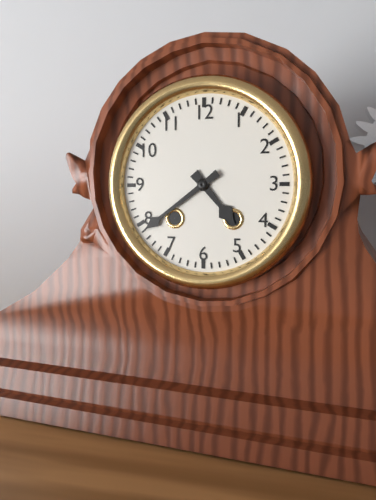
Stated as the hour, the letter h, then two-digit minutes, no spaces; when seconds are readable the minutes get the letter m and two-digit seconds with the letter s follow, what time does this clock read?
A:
4h39
